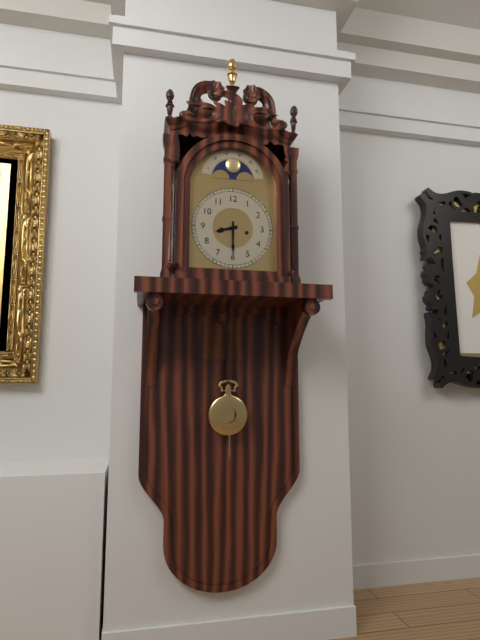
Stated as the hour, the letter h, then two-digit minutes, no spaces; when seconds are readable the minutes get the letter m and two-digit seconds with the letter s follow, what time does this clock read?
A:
8h30
